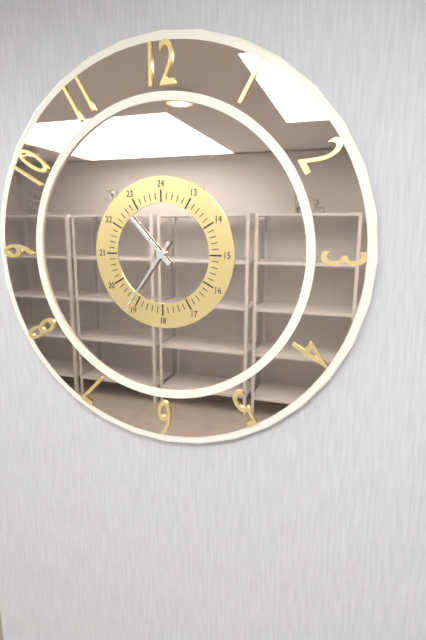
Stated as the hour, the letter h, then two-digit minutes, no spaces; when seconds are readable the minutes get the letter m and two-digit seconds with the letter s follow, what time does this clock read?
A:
10h36
